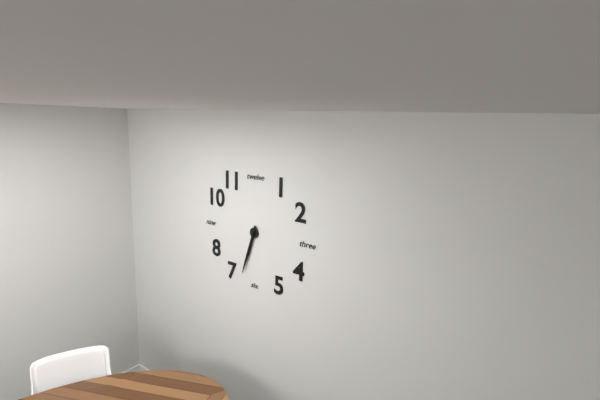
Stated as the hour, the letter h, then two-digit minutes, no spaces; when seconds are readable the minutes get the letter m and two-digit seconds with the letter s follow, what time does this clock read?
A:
6h33
